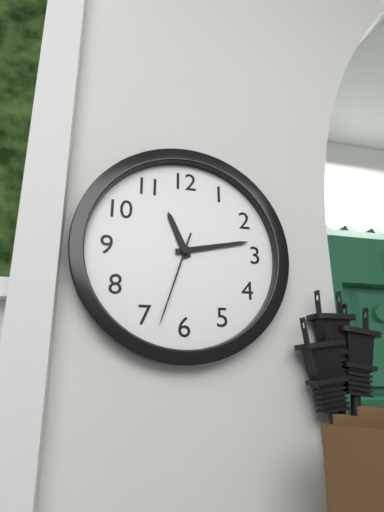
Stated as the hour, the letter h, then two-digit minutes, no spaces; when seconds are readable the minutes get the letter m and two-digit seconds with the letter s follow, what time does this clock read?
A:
11h13m33s
